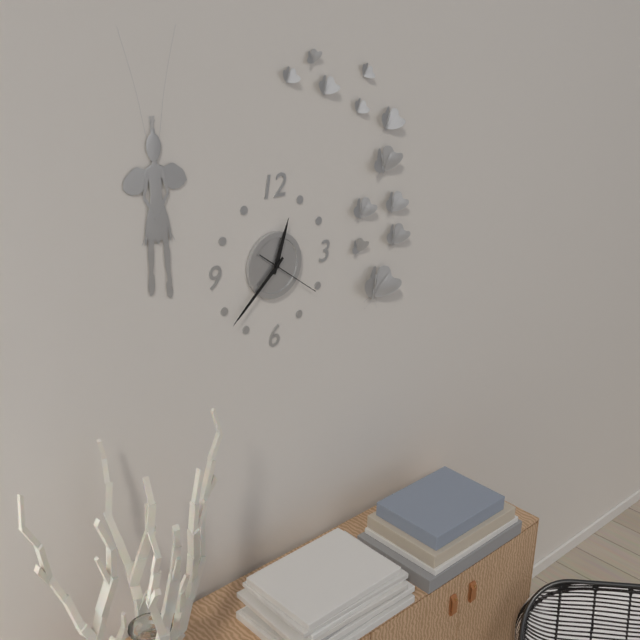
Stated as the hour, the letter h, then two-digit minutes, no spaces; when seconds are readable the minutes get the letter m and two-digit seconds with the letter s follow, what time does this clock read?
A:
12h38m21s
